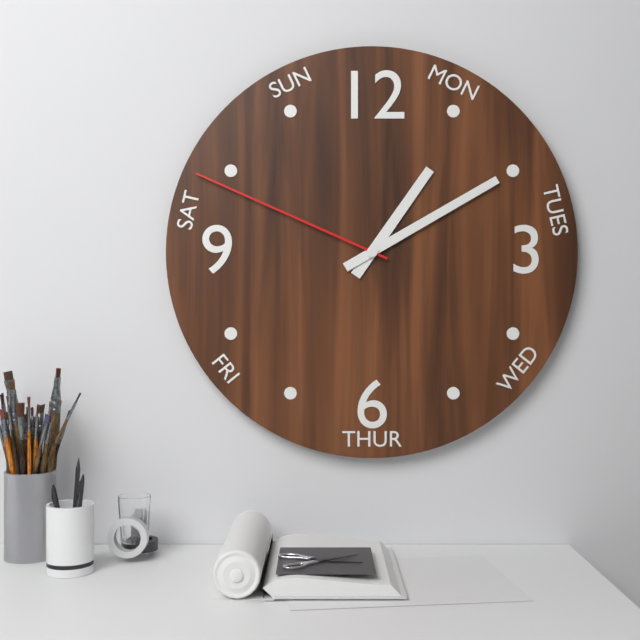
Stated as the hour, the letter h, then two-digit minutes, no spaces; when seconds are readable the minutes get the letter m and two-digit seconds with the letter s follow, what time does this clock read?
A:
1h10m49s
